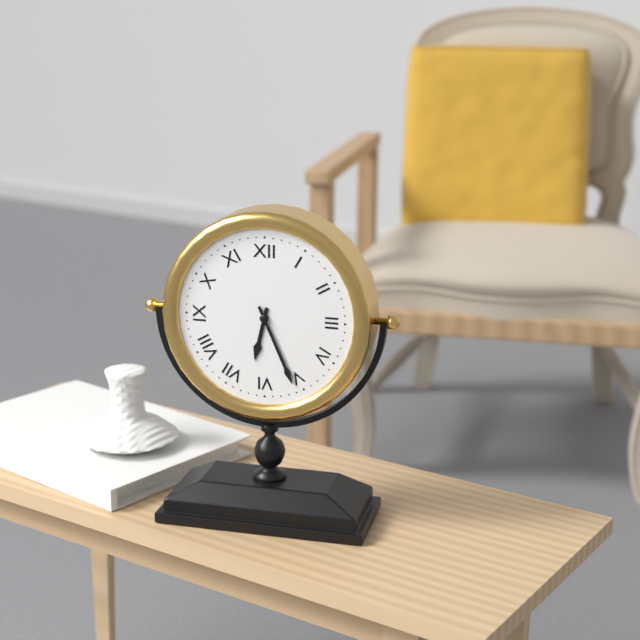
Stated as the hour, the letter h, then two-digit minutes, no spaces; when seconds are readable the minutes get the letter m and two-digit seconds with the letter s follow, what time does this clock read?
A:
6h26
